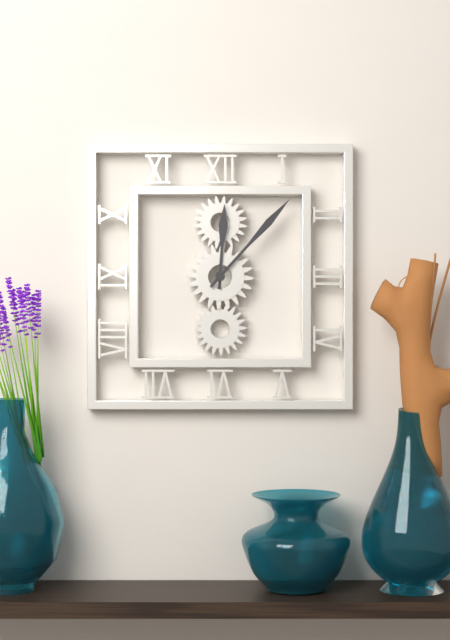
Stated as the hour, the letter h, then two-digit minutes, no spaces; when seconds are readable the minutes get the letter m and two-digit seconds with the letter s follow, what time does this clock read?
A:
12h07
